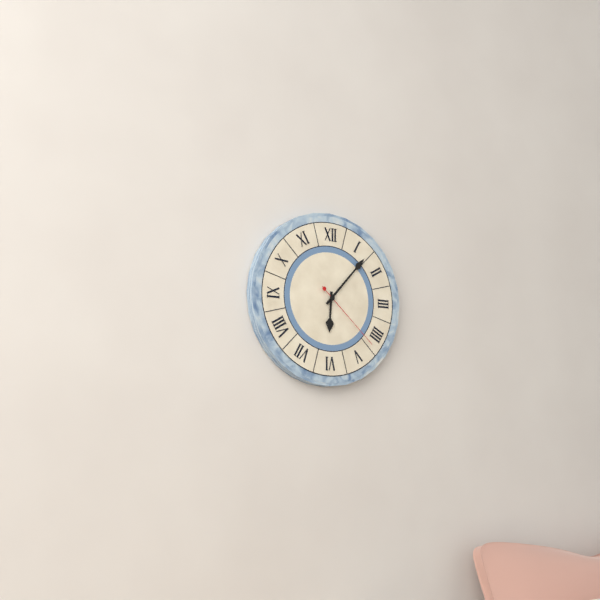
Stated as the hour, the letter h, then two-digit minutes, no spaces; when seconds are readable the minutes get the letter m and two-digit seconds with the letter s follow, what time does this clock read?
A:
6h07m22s
